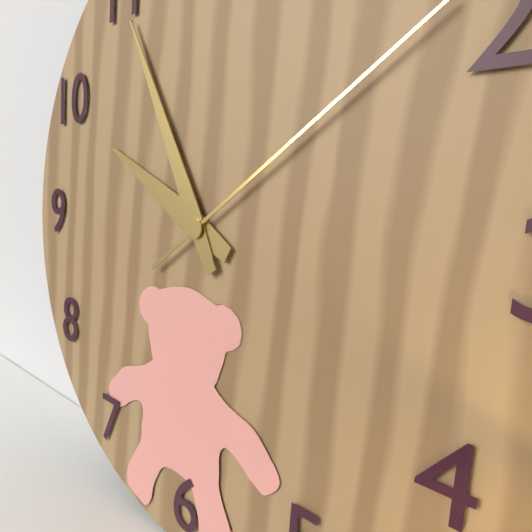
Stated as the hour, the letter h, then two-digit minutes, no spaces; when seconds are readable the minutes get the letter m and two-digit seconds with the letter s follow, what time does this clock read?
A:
9h55
